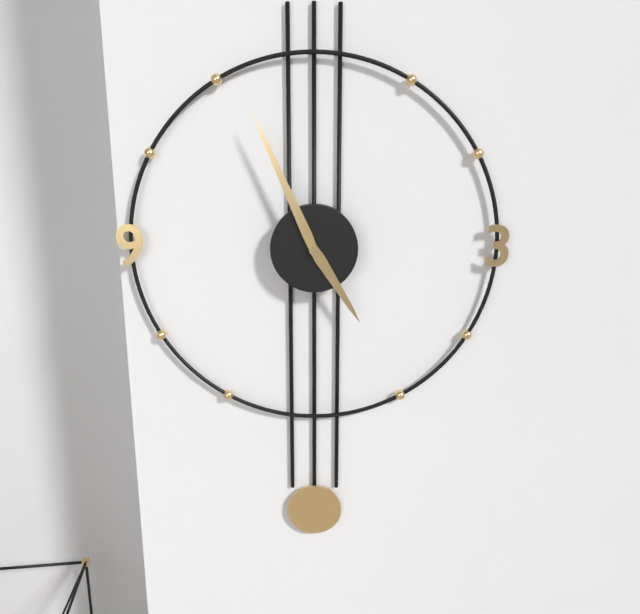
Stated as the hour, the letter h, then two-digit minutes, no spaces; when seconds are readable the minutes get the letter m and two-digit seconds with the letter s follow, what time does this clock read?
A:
4h56
